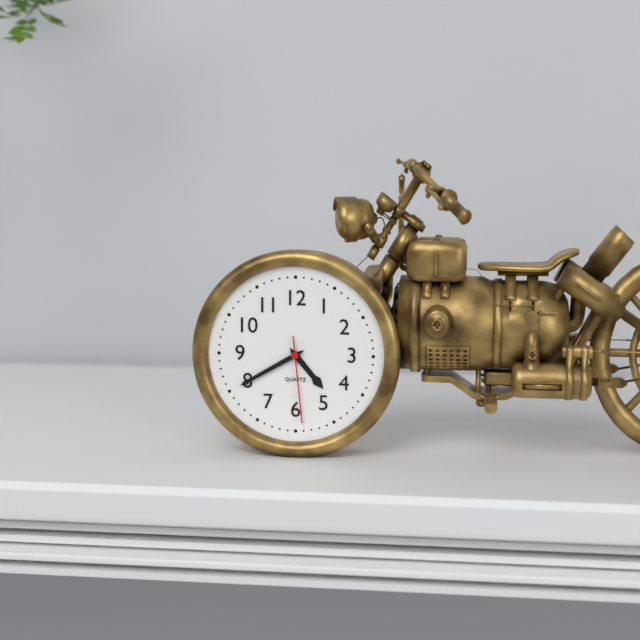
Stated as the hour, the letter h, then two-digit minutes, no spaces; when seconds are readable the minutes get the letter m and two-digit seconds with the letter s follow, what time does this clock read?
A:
4h40m29s
